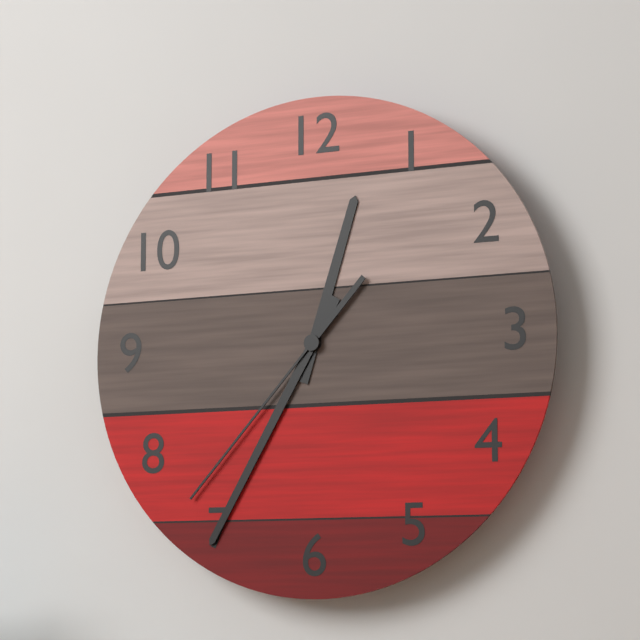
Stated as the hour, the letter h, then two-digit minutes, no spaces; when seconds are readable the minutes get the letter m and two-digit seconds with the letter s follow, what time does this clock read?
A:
12h35m37s
